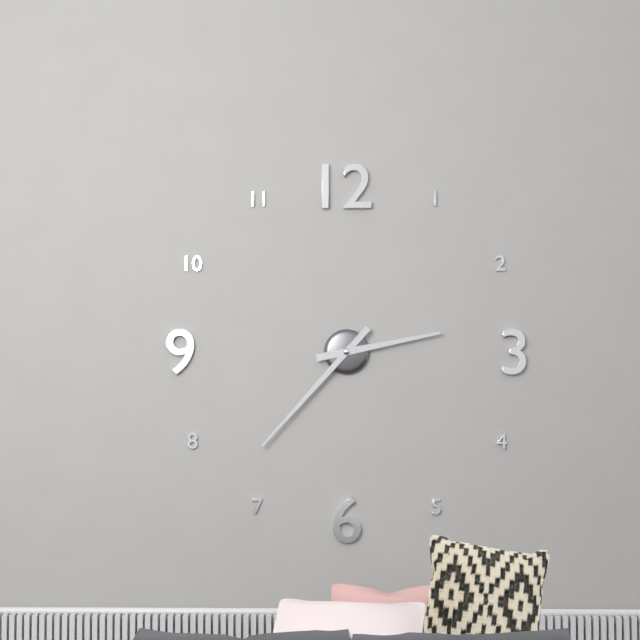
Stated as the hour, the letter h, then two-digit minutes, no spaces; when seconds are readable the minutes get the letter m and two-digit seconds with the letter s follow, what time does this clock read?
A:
2h37
